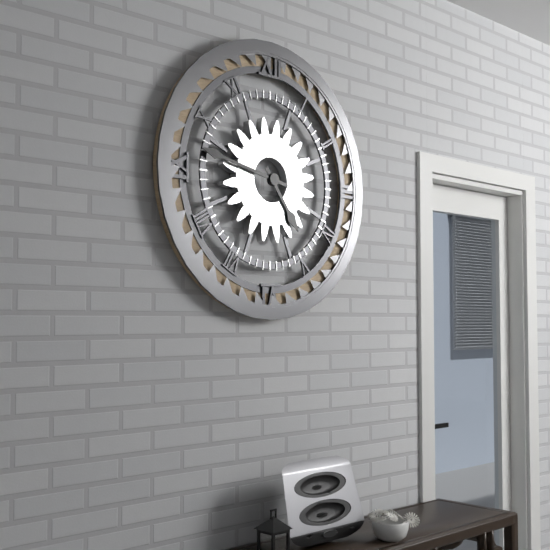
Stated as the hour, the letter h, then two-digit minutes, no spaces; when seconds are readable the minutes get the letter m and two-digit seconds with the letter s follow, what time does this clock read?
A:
4h47
